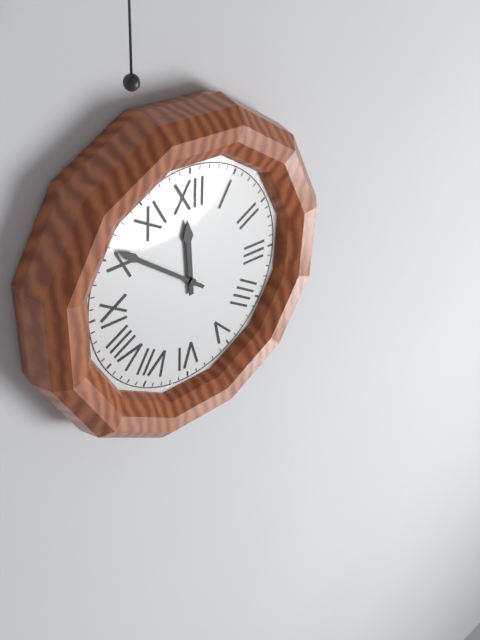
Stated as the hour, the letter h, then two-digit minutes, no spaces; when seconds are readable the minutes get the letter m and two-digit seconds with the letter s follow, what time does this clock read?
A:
11h51
